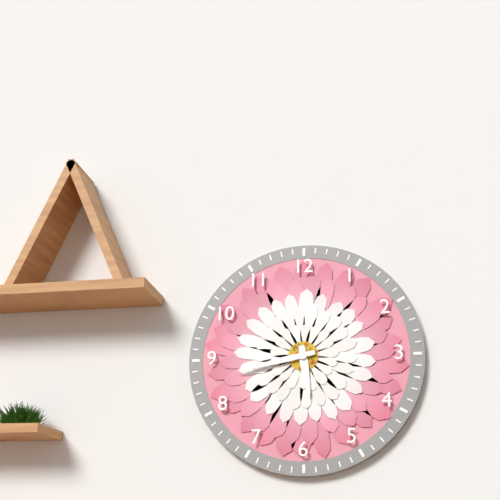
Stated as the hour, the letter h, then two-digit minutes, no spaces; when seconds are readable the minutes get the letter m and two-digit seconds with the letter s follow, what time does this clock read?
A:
5h43
